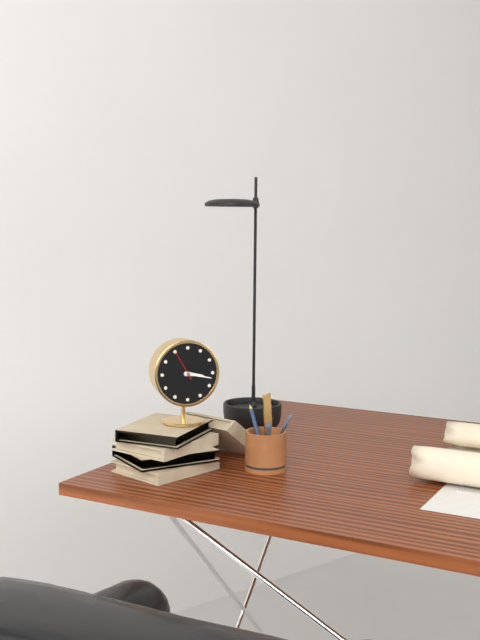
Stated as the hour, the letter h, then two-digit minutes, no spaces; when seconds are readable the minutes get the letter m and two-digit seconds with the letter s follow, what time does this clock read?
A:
3h17
